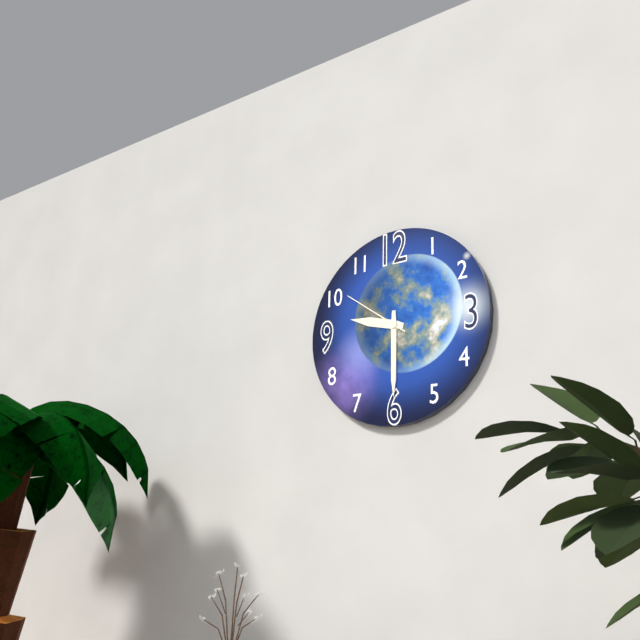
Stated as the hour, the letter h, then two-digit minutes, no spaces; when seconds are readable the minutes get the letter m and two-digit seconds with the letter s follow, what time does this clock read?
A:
9h30m51s
